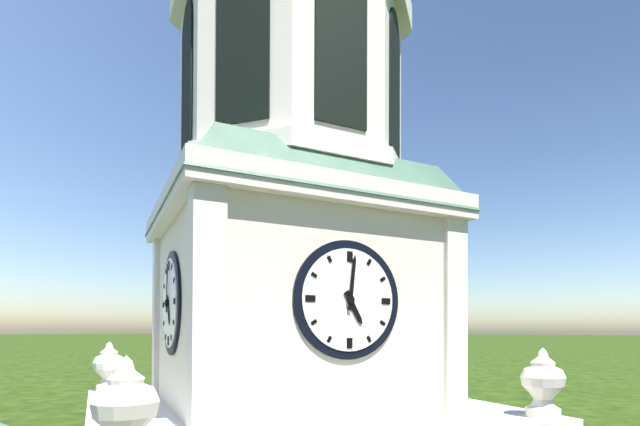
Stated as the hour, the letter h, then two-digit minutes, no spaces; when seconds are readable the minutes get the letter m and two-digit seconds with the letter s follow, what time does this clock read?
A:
5h01
